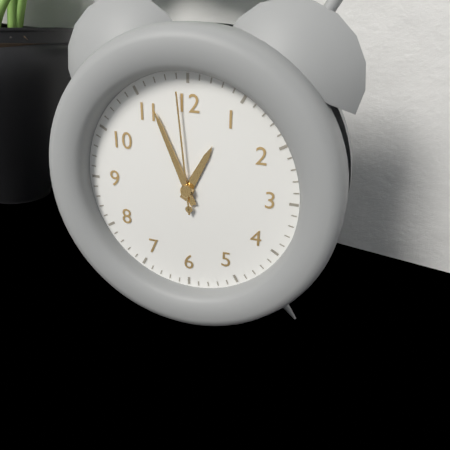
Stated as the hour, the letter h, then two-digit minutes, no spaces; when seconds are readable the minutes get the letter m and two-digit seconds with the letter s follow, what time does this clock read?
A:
12h56m59s
